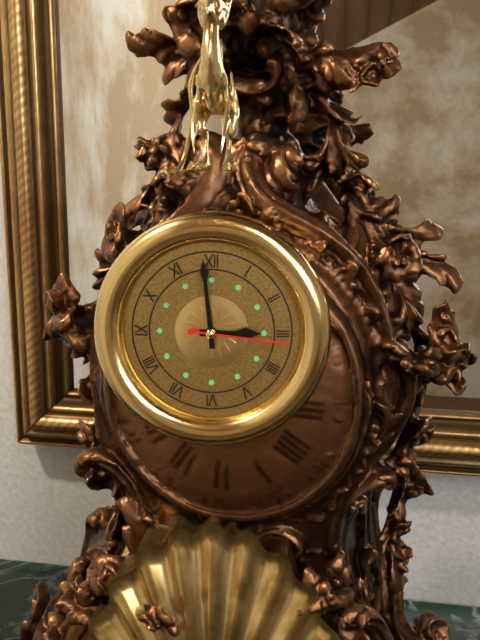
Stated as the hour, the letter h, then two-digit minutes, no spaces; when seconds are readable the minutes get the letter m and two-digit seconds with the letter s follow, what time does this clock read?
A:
2h59m16s
